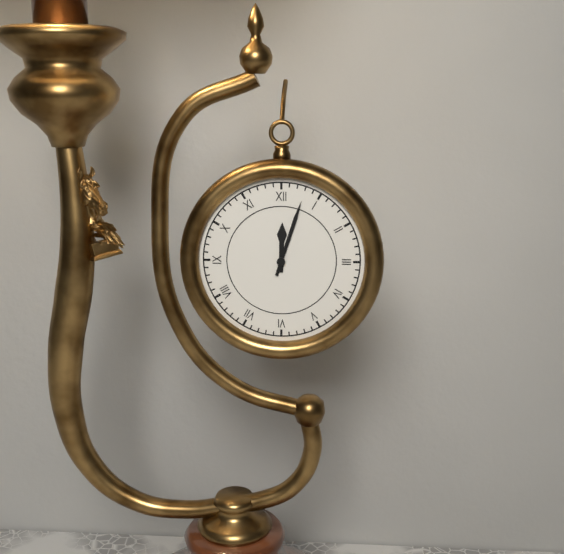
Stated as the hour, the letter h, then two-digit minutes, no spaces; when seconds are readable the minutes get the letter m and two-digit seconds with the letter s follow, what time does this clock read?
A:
12h03
